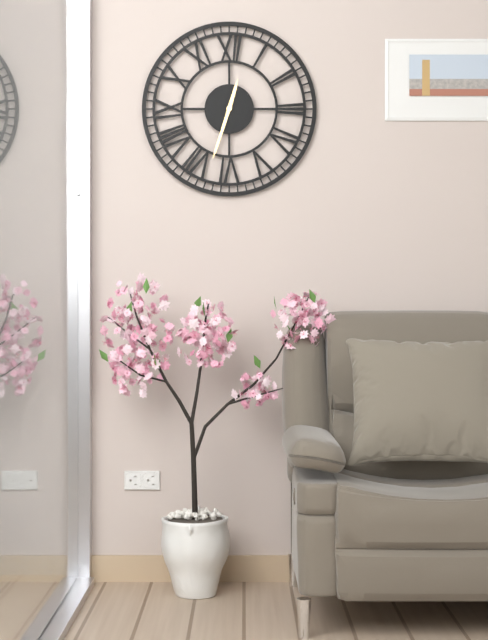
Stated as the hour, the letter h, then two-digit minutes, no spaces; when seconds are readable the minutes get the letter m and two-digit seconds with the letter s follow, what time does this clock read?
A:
12h33
